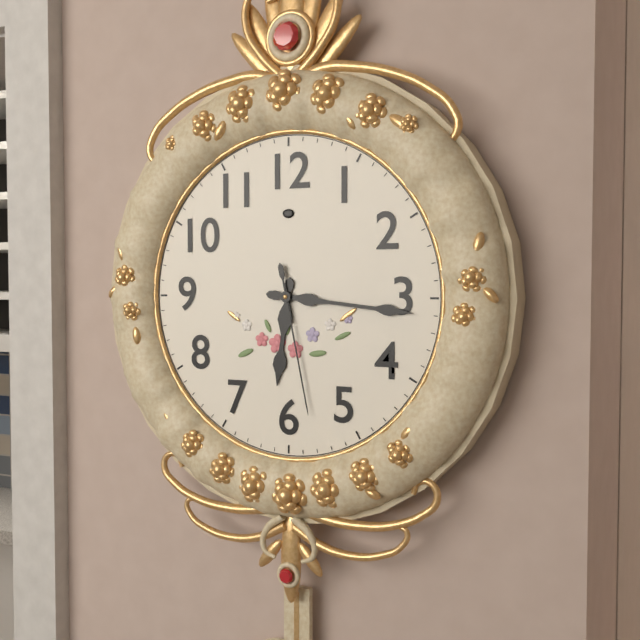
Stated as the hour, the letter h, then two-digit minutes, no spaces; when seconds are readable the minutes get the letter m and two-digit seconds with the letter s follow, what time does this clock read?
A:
6h16m28s
